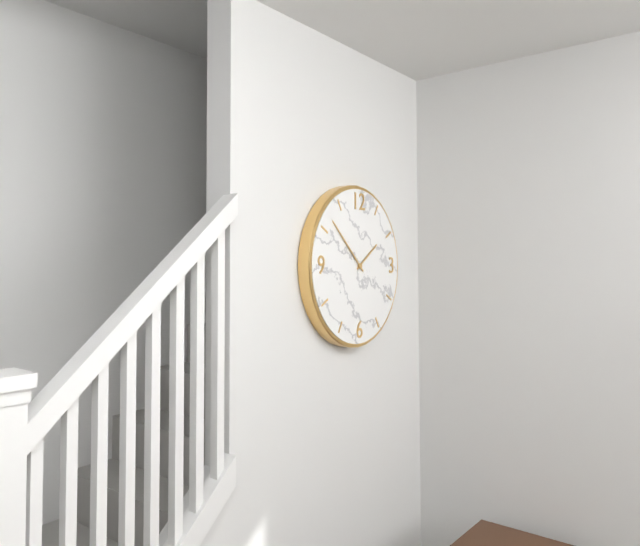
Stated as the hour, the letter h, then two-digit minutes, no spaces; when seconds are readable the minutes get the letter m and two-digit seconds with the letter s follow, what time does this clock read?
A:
1h52
